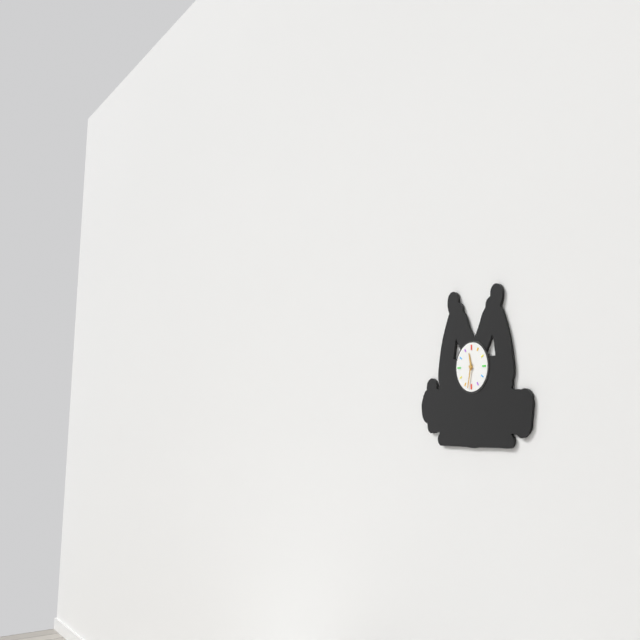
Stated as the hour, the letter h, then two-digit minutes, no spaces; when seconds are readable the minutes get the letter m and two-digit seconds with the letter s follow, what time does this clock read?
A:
11h32
